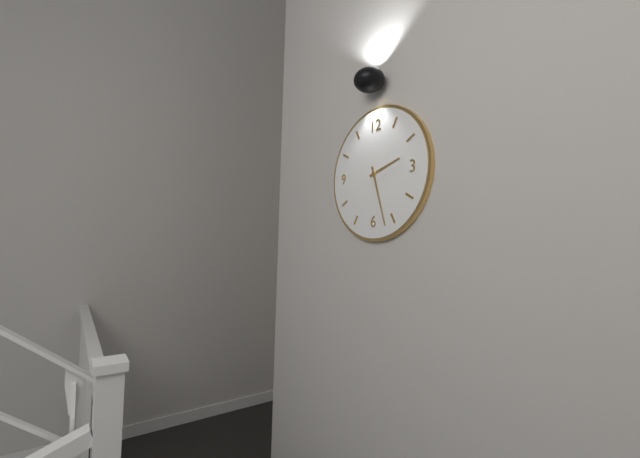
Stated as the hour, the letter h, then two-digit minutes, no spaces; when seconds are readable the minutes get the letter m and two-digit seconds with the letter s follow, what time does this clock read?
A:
2h27
